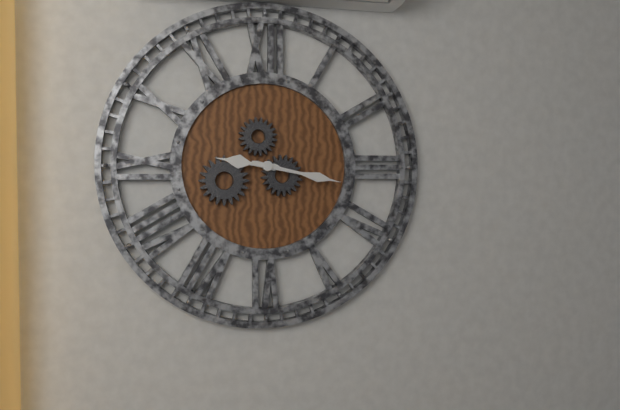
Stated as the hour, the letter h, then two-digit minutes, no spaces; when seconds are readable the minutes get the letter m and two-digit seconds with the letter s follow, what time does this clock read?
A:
9h17
